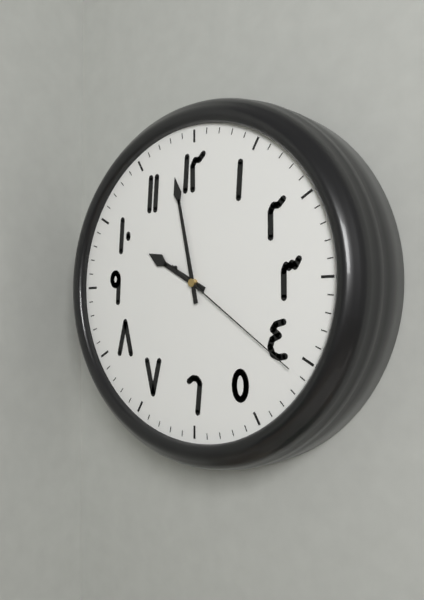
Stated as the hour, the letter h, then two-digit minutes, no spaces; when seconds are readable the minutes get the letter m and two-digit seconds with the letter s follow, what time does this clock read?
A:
9h58m21s
